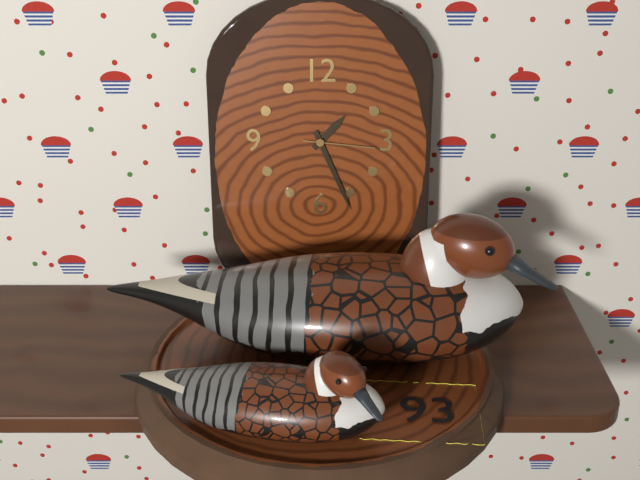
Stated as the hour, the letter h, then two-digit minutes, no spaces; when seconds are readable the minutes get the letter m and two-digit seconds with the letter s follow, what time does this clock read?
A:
1h26m16s
